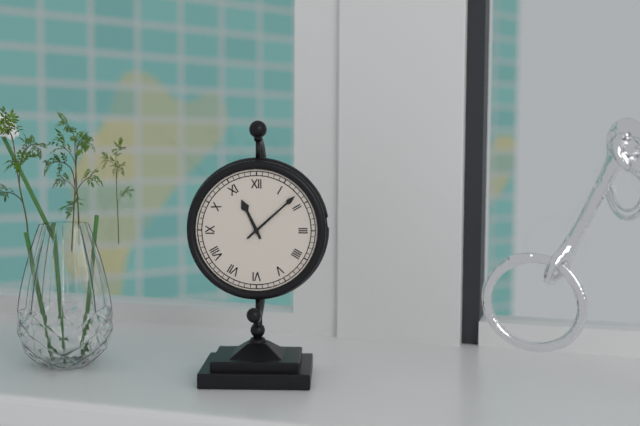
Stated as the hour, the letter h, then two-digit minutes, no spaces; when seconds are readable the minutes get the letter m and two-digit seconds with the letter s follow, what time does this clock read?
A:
11h08
